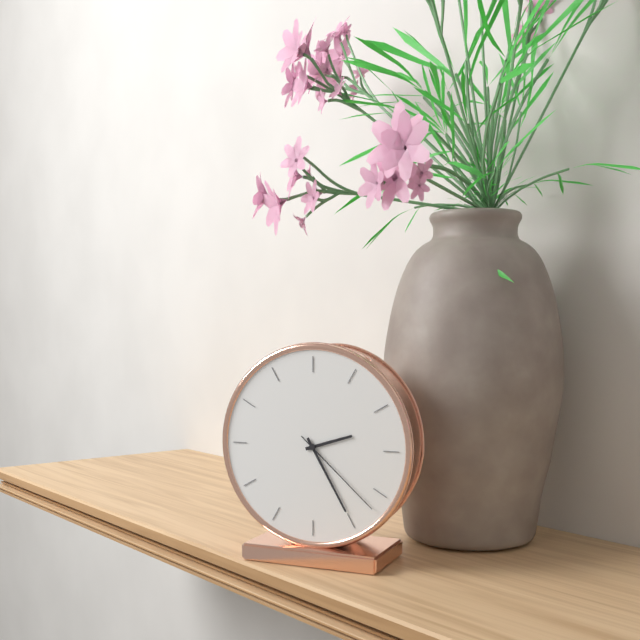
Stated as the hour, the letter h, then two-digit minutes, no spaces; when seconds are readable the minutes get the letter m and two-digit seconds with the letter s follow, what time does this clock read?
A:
2h25m22s
